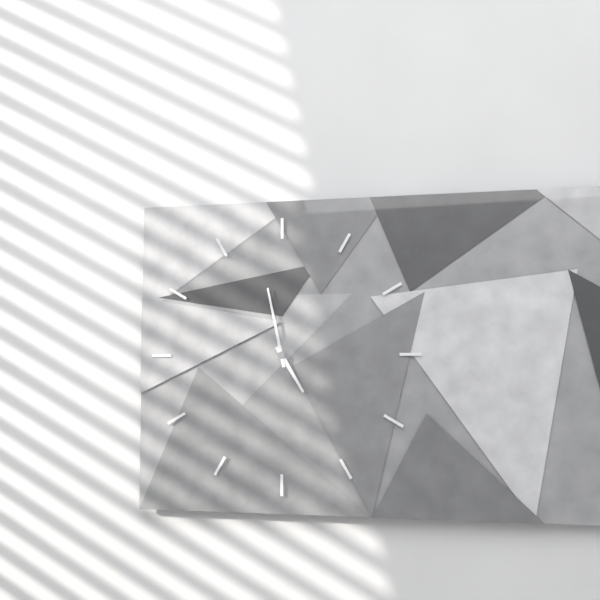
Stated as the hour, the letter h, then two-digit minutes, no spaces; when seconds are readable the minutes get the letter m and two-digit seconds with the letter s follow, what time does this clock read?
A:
4h58
